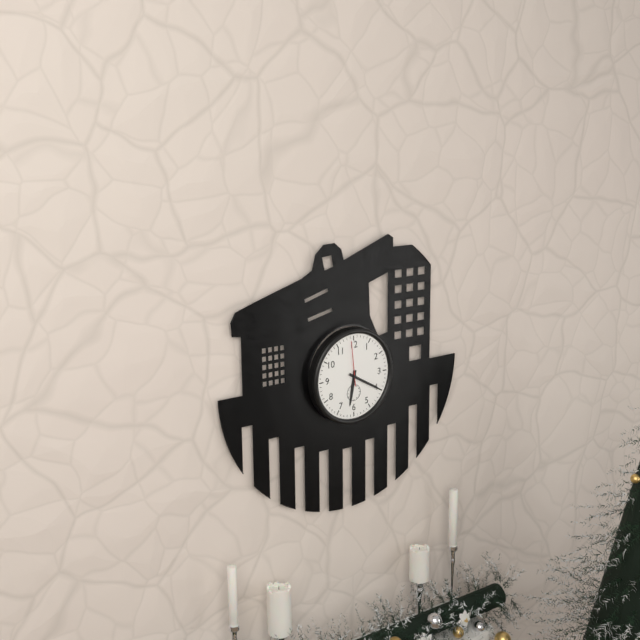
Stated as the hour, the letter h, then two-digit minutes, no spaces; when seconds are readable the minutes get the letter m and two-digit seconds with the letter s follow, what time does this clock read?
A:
6h20
